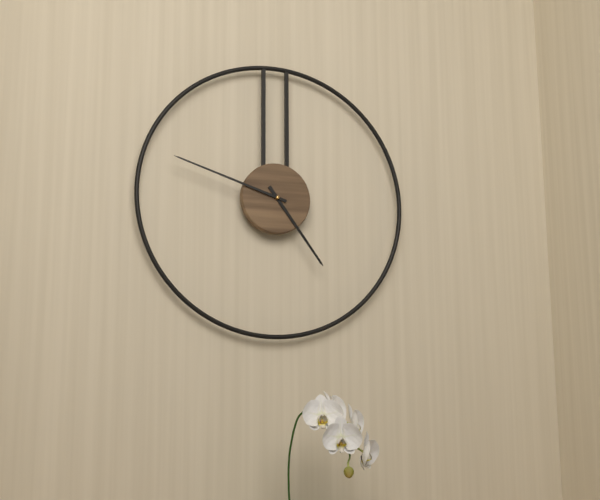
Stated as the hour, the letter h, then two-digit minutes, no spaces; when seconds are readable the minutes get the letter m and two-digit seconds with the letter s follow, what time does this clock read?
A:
4h48
